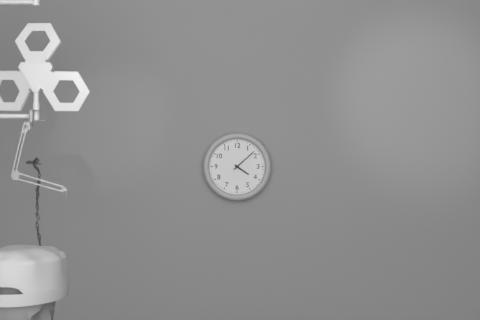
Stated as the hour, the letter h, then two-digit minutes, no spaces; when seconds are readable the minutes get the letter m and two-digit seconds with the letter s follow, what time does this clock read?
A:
4h08
